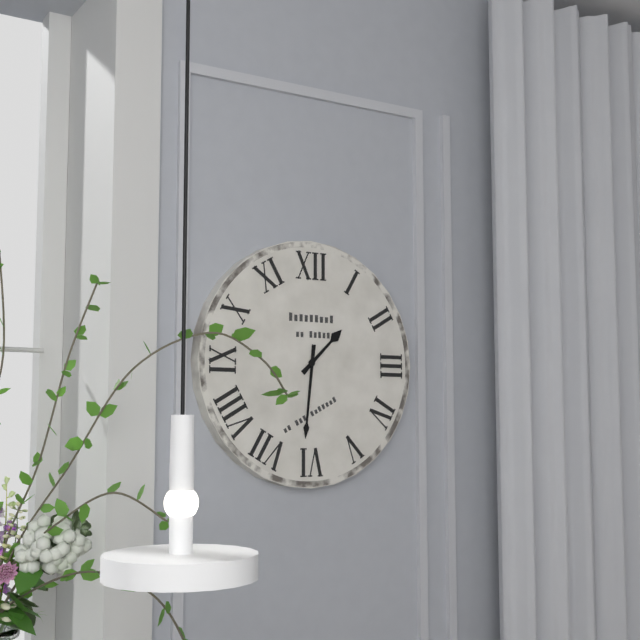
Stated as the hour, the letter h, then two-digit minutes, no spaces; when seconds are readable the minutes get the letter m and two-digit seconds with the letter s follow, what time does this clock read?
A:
1h31
